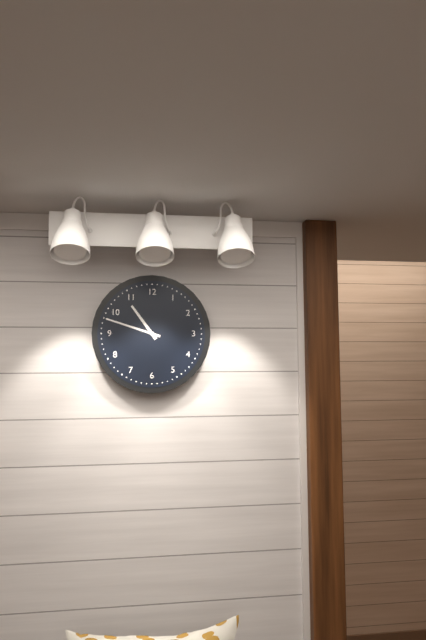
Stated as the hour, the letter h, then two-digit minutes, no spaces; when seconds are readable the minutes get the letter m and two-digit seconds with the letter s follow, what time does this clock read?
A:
10h48
